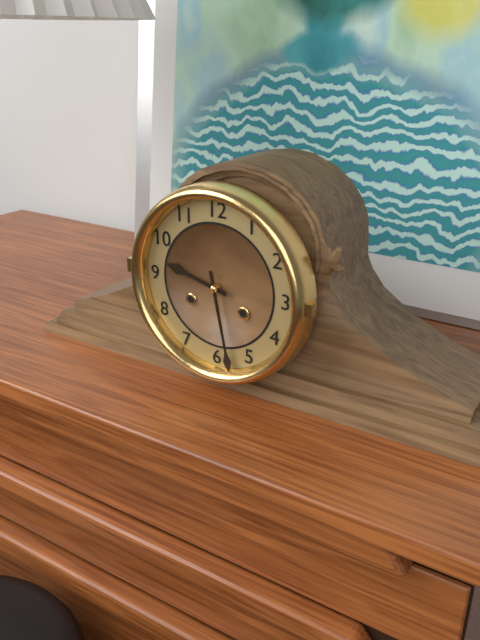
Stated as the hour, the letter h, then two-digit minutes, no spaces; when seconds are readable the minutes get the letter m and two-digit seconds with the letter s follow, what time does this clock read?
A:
9h28
